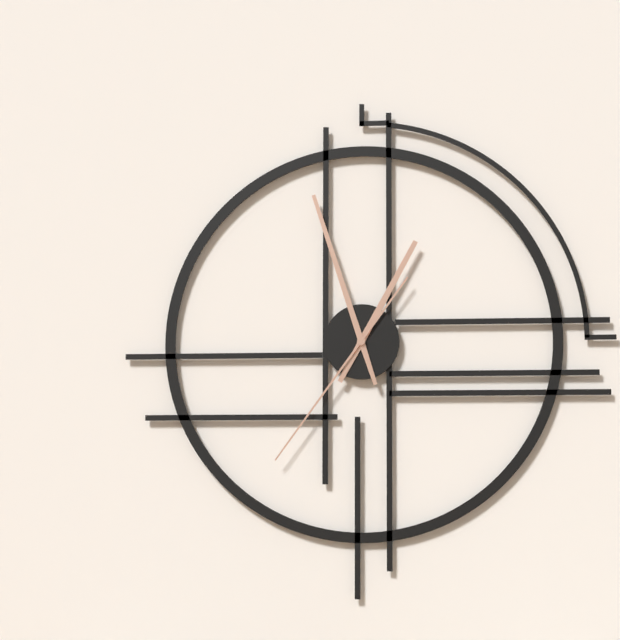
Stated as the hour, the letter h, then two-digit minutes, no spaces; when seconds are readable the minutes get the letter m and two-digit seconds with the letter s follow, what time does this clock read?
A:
12h57m36s
